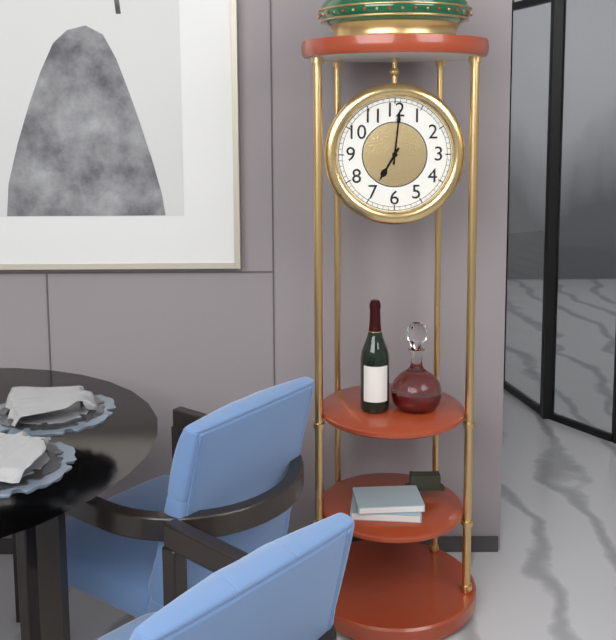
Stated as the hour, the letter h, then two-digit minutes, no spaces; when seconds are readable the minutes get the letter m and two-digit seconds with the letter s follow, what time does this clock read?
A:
7h01
